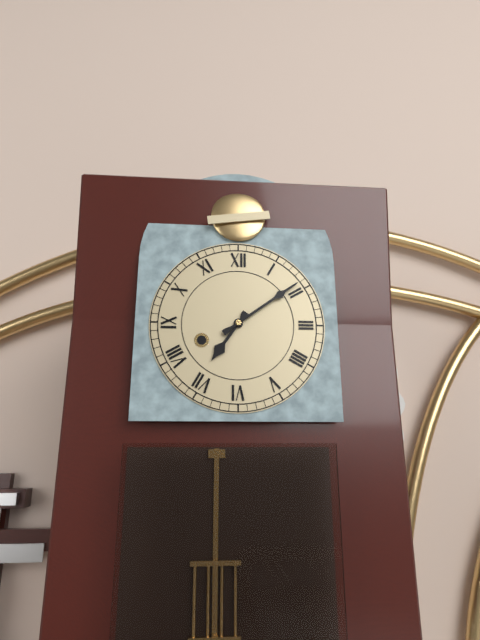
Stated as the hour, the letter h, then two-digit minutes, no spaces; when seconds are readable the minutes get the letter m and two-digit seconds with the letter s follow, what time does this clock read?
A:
7h09
